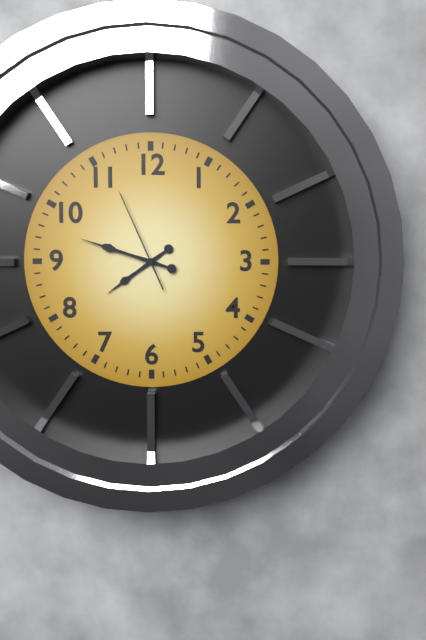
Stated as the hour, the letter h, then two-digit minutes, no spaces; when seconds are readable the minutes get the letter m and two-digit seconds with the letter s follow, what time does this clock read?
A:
7h48m56s
